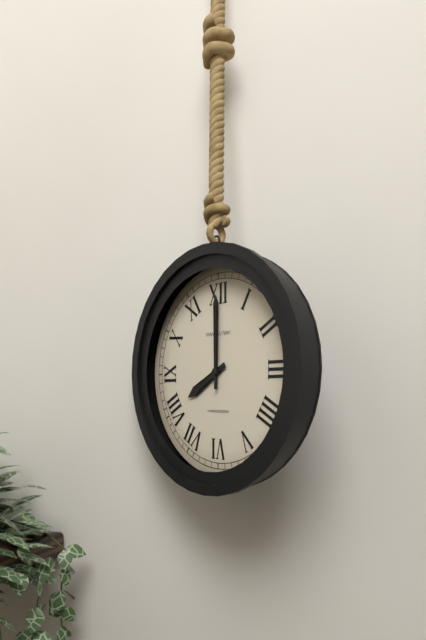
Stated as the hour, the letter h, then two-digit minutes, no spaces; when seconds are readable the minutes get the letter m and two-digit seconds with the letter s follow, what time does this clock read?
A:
8h00
